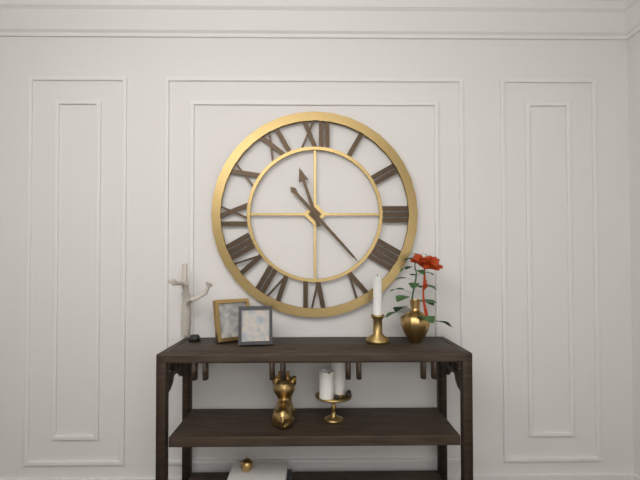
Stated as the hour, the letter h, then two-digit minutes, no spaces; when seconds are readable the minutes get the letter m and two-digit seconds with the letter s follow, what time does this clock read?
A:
11h23
